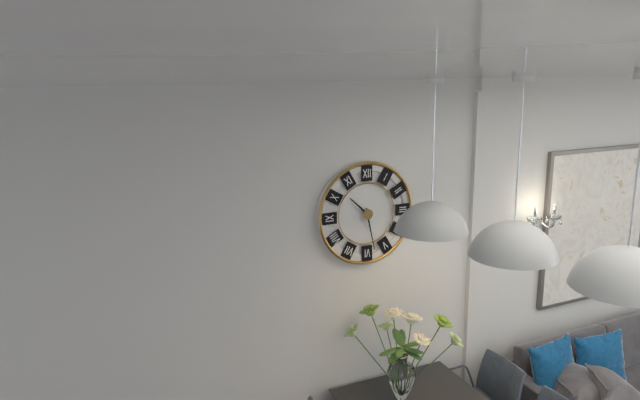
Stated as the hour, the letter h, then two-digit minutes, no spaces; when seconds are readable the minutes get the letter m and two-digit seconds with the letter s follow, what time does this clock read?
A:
10h28
